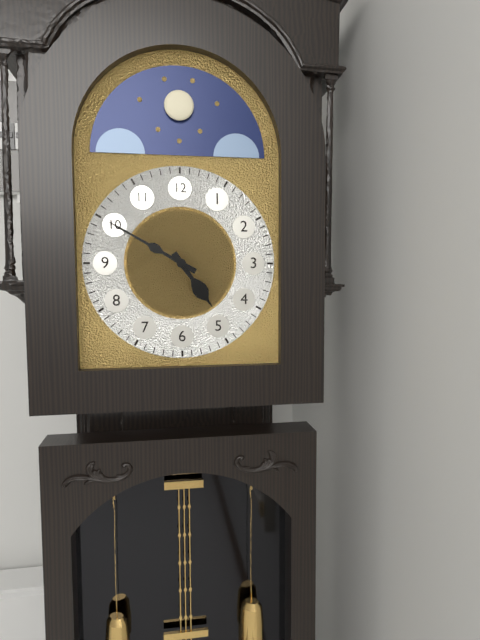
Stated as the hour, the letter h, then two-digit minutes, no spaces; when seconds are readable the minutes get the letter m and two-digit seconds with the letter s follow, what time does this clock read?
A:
4h50
